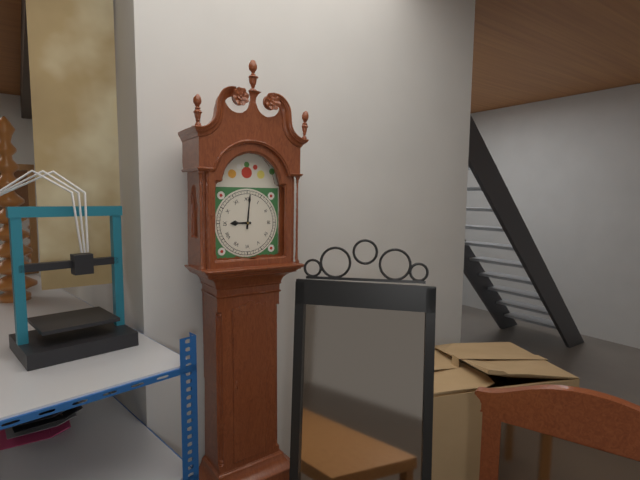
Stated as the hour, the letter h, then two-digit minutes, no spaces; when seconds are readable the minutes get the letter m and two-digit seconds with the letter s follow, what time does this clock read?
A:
9h01
